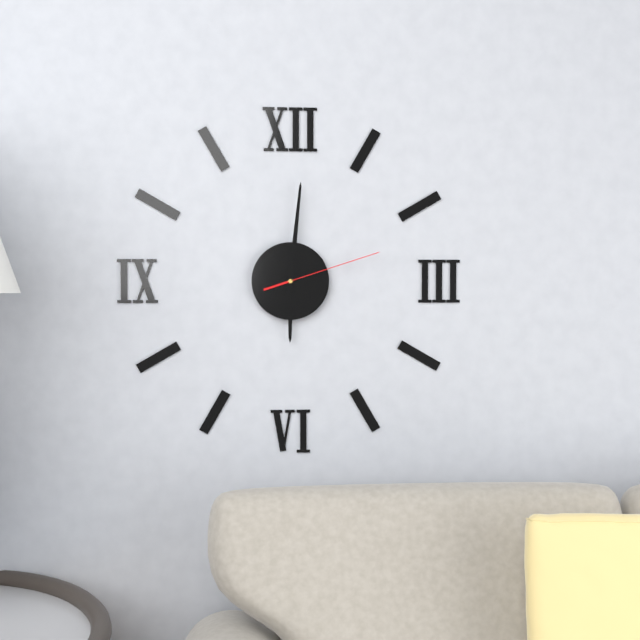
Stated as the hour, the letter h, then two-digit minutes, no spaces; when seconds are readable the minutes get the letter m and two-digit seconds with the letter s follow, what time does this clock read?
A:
6h01m12s
